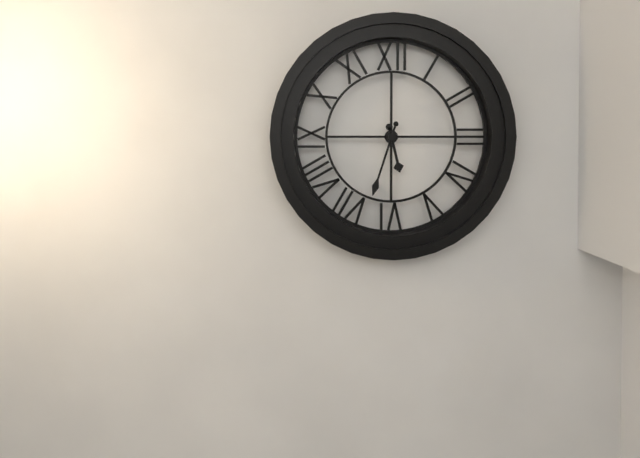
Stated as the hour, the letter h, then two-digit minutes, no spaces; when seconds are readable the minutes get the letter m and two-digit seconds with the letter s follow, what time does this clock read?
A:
5h33
